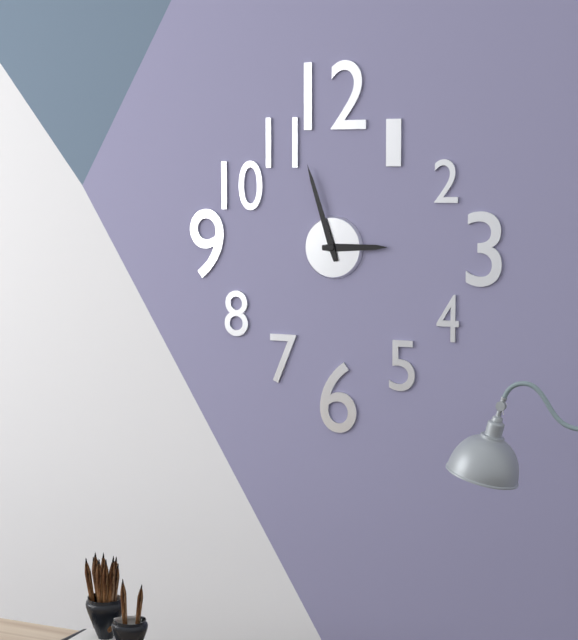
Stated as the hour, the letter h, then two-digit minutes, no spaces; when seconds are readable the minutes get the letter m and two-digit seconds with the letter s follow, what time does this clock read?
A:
2h57
